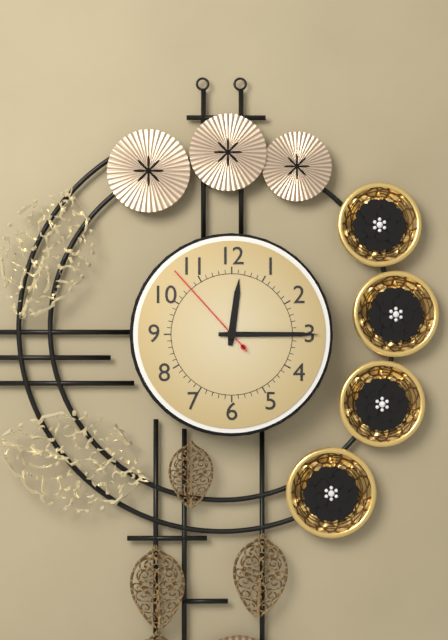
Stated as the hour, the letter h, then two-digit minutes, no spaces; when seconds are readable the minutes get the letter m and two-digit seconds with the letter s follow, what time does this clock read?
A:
12h15m53s
